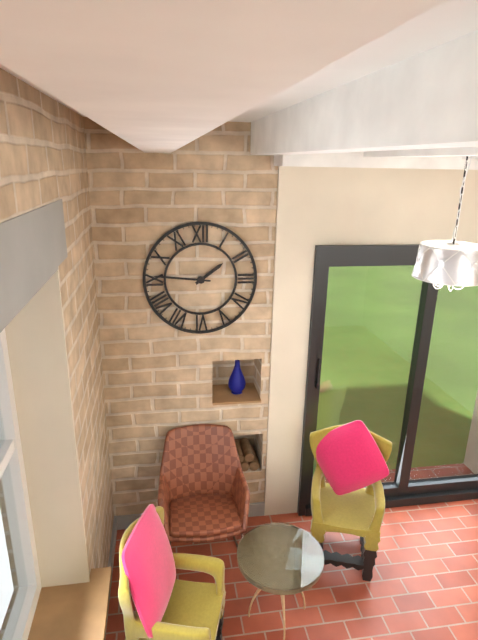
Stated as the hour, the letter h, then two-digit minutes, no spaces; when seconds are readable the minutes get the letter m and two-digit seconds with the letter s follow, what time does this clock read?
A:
1h46
